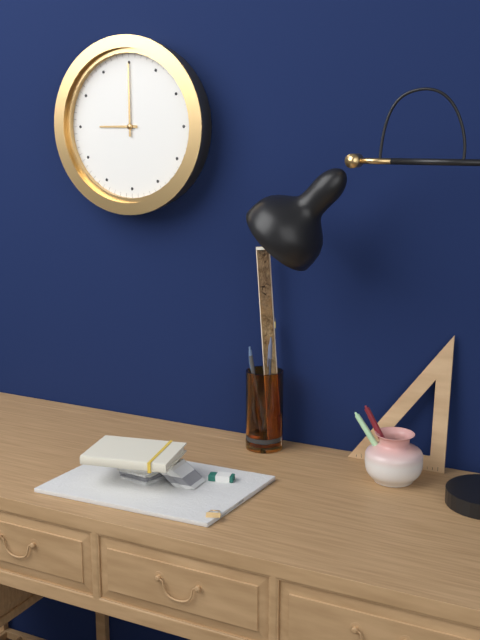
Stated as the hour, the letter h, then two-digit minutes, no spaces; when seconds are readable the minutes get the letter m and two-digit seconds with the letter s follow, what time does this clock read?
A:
9h00
